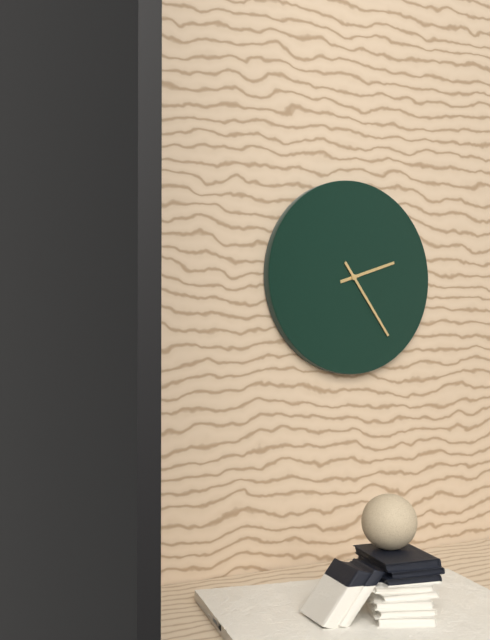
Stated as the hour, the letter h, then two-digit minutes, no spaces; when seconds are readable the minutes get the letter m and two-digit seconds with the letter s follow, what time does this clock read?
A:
2h24
